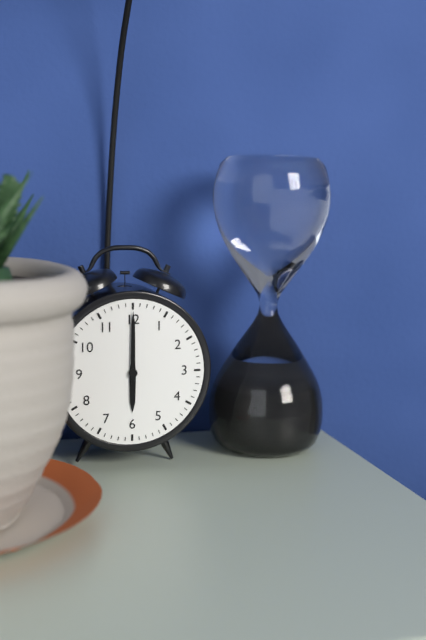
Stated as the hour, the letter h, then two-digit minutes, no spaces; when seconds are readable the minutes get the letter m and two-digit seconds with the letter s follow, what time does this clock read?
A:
6h00
